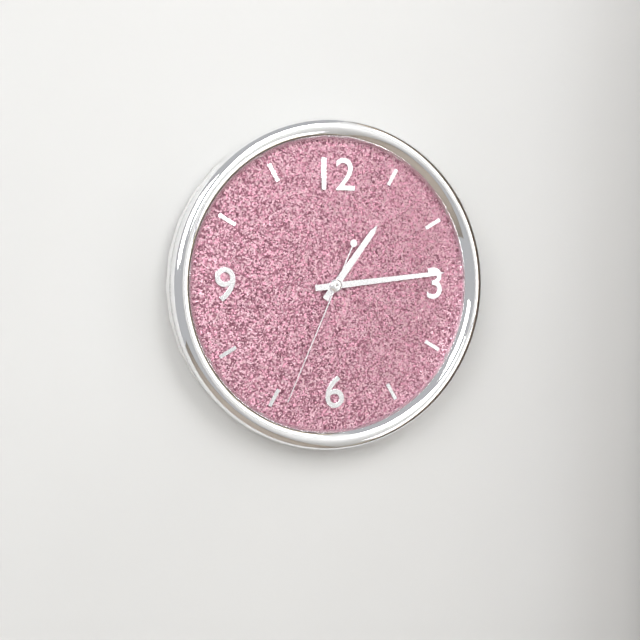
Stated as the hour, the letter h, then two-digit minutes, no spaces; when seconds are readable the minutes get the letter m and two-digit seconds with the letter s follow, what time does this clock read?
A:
1h14m34s
